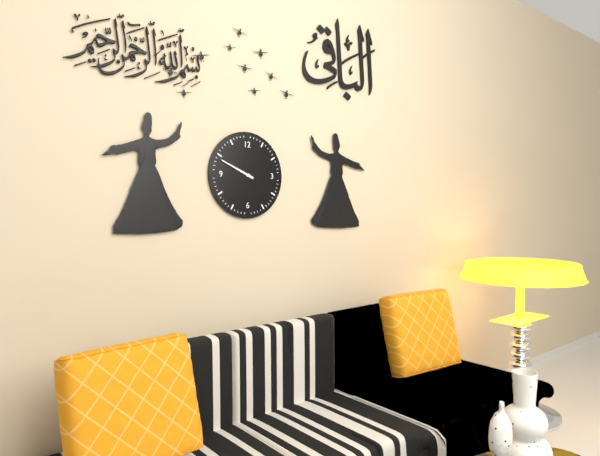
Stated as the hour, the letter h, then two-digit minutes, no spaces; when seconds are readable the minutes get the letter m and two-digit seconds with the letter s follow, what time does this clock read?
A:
9h49
